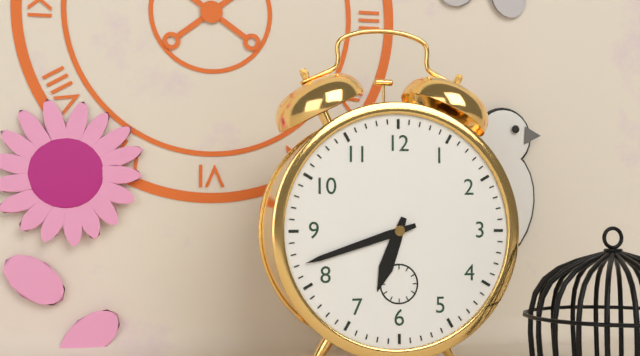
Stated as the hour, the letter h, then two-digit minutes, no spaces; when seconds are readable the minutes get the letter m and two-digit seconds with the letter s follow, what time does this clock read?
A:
6h42
